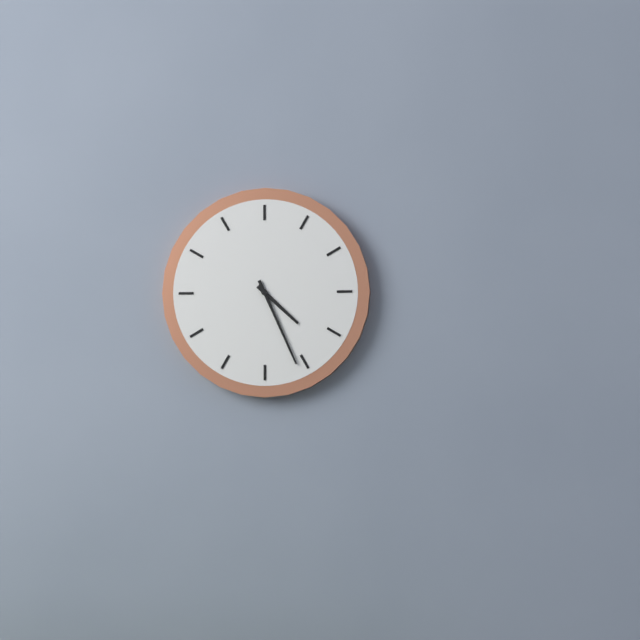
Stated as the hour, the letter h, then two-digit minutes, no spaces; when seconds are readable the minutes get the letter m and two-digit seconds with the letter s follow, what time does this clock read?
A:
4h26
